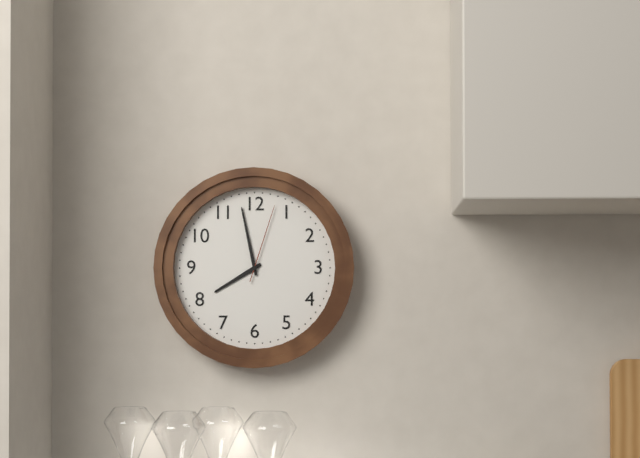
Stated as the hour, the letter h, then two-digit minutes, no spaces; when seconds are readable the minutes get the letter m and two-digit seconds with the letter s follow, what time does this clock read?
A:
7h58m03s
